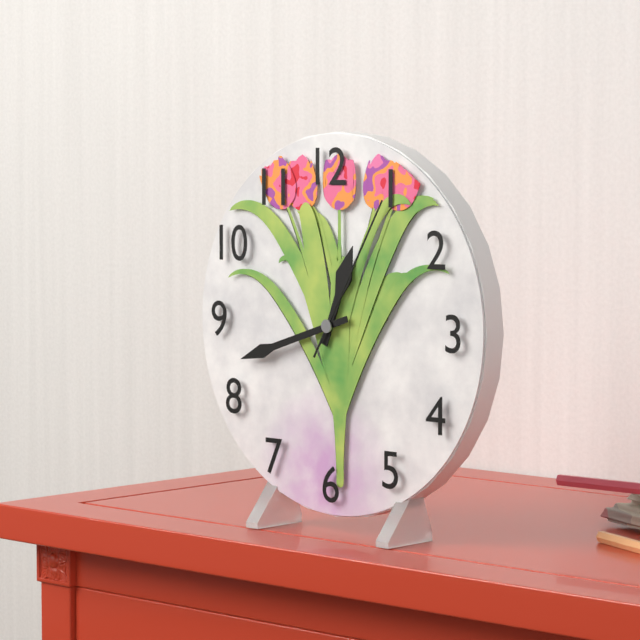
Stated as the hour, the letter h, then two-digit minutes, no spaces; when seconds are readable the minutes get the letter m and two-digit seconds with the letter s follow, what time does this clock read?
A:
12h42m05s
